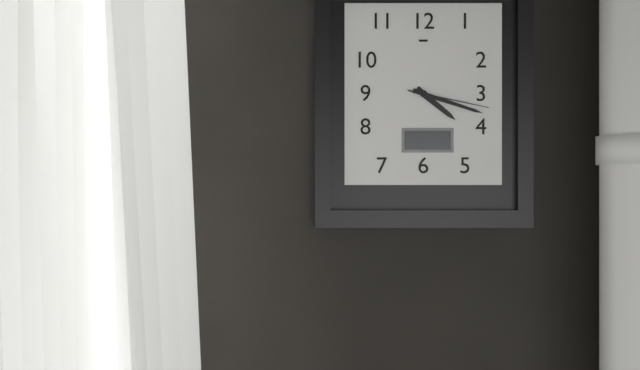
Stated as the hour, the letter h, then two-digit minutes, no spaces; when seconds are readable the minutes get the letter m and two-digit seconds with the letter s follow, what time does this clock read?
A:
4h18m17s
